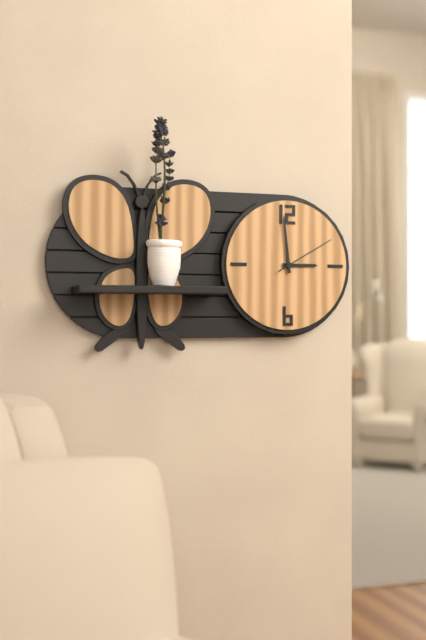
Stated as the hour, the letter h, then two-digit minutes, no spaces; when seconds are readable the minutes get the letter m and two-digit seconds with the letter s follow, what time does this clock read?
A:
2h59m10s
